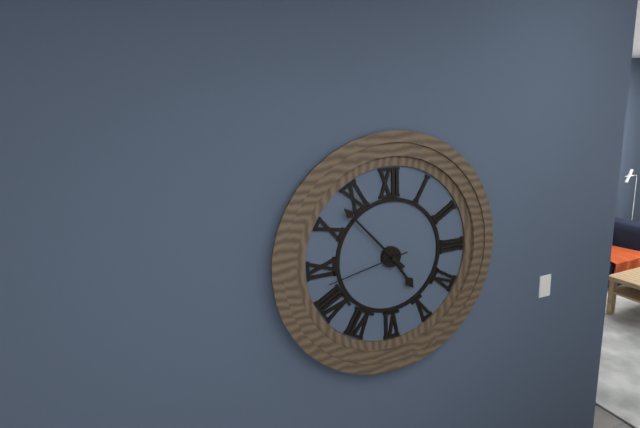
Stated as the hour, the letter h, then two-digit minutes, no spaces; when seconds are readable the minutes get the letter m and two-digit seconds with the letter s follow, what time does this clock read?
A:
4h53m43s
